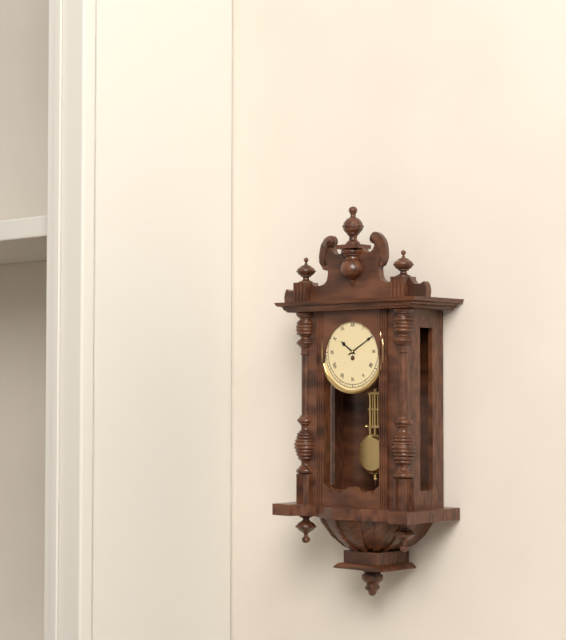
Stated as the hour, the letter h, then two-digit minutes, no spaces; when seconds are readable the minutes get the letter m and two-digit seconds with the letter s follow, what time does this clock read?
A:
10h10
